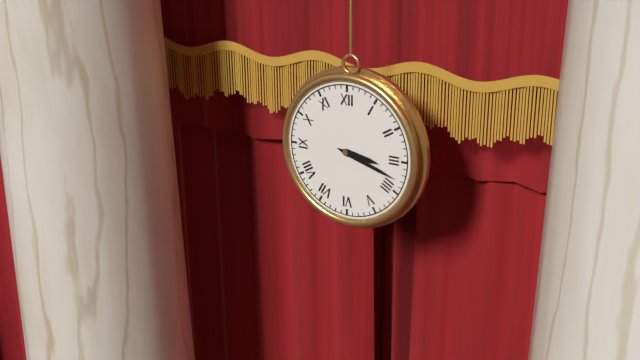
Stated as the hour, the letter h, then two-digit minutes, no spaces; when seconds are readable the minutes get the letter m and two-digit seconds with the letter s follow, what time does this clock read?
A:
3h18
